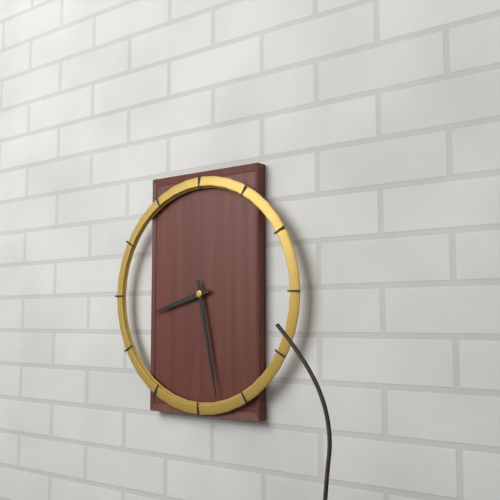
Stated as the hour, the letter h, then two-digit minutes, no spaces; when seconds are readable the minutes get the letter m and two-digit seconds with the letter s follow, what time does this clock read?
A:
8h28
